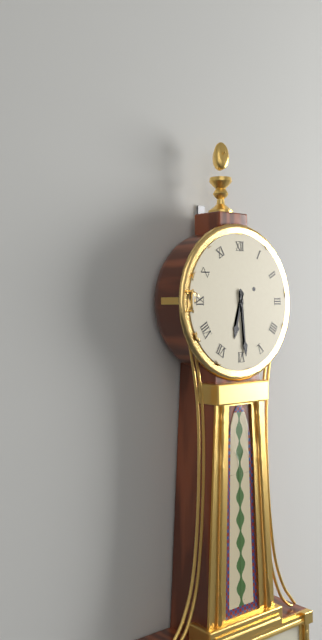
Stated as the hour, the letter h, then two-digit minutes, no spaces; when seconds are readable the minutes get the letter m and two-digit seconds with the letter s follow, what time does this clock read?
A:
6h29
